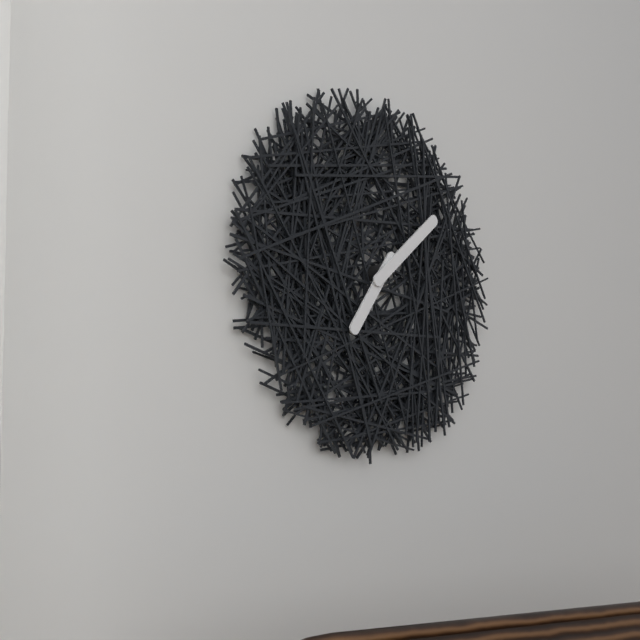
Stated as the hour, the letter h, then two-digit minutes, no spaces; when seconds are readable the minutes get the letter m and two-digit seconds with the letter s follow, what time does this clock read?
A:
7h08
